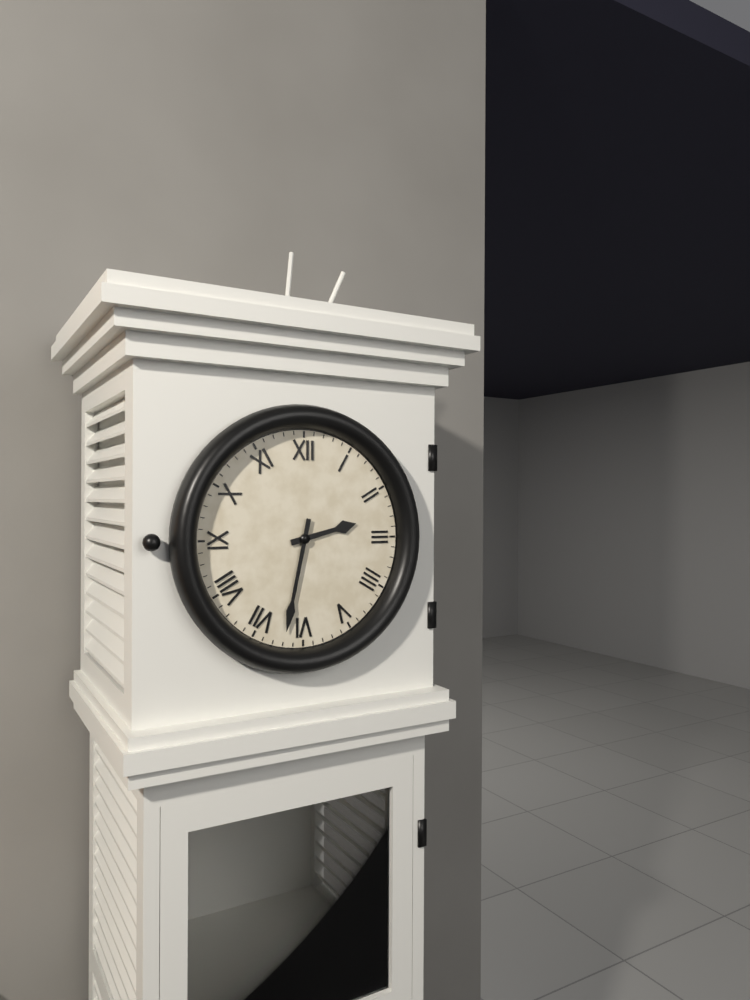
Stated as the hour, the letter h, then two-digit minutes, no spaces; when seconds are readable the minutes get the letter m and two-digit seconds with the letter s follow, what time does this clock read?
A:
2h32
